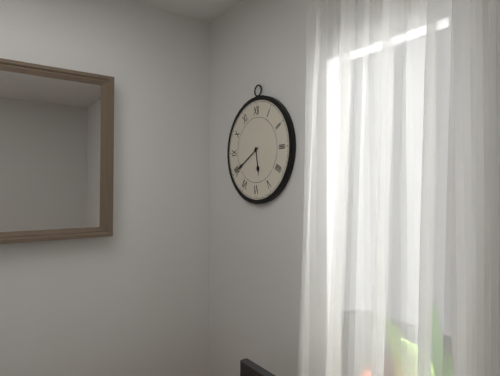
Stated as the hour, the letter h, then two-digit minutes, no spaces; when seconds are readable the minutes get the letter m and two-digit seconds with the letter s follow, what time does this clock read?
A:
5h40
